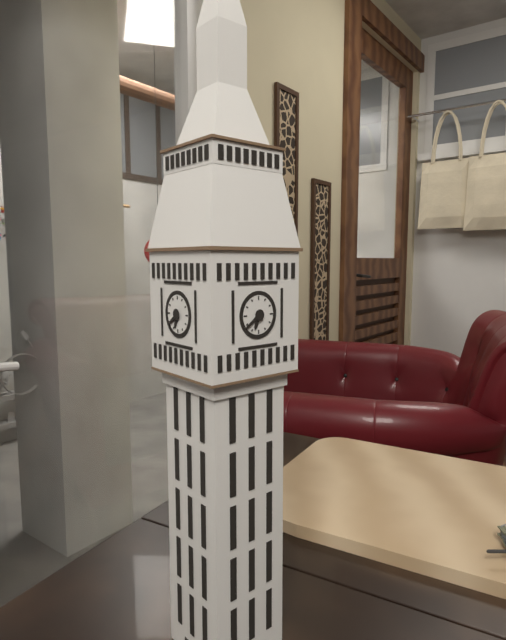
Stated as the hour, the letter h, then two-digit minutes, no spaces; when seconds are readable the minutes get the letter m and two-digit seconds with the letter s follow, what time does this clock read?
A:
6h39
